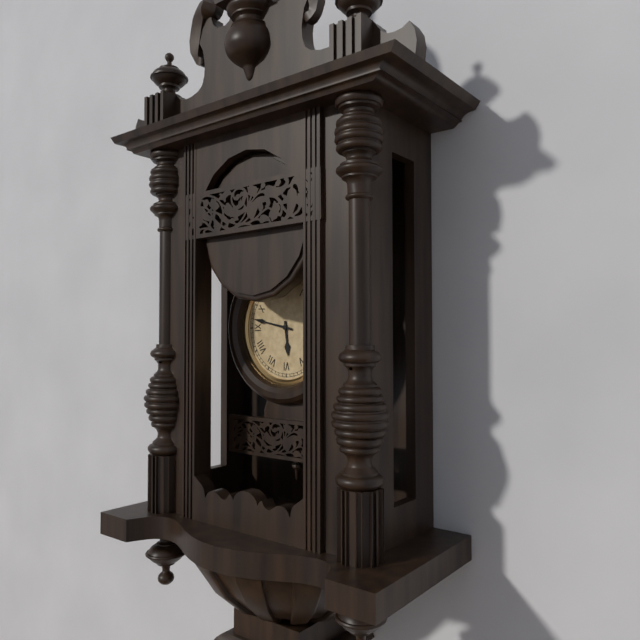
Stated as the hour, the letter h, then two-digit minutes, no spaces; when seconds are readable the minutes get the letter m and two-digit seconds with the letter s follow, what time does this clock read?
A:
5h47
